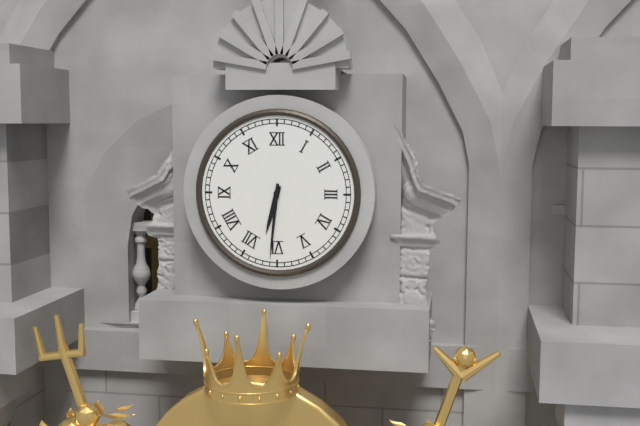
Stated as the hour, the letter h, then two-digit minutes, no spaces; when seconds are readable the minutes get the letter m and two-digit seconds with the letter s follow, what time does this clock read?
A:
6h31
